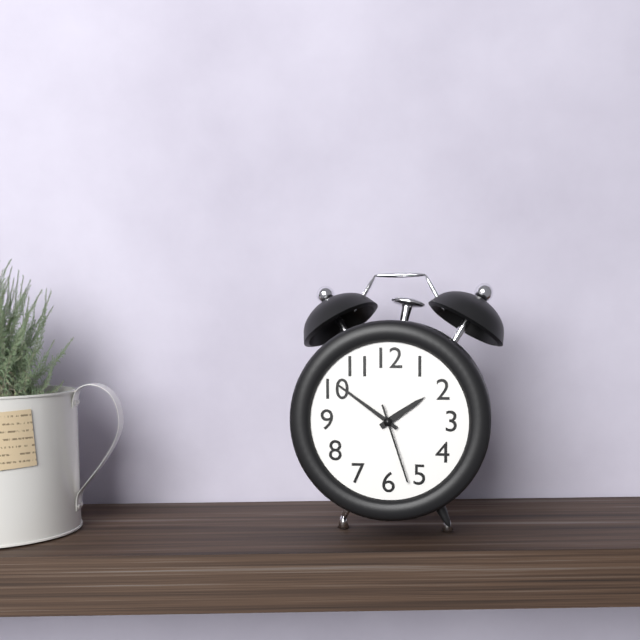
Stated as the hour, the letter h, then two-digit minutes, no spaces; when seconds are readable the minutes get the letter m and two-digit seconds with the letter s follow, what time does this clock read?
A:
1h51m27s
